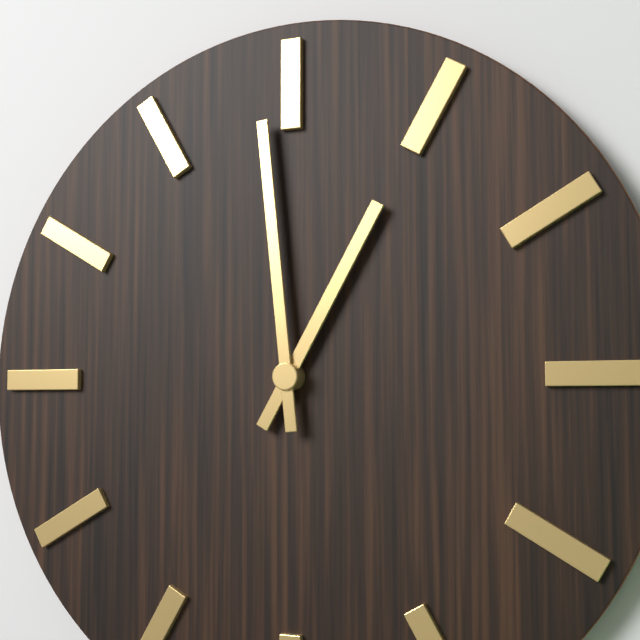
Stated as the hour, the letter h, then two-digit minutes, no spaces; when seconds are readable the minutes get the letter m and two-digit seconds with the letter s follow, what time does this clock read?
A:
12h59
